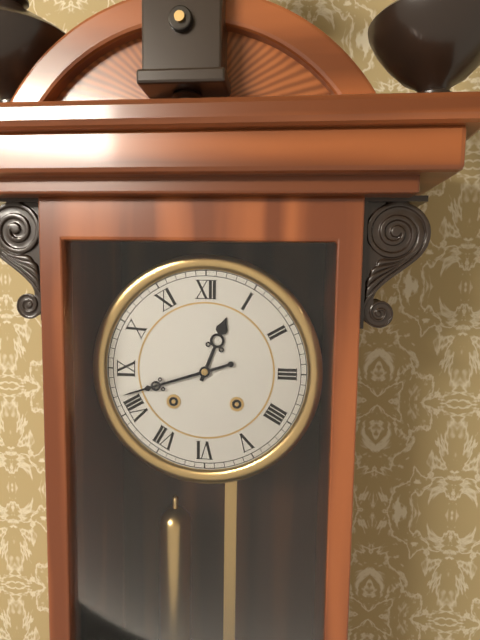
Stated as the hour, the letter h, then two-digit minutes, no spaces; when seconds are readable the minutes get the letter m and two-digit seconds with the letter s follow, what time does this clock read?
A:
12h42
